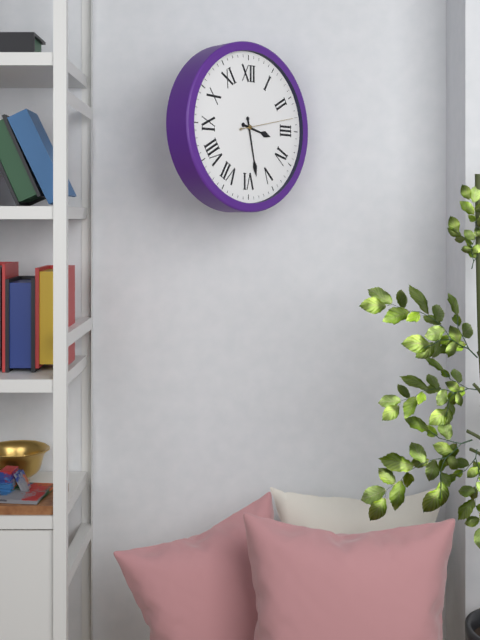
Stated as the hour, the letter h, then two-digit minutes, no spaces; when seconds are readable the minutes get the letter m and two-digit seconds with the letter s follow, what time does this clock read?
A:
3h28m13s
